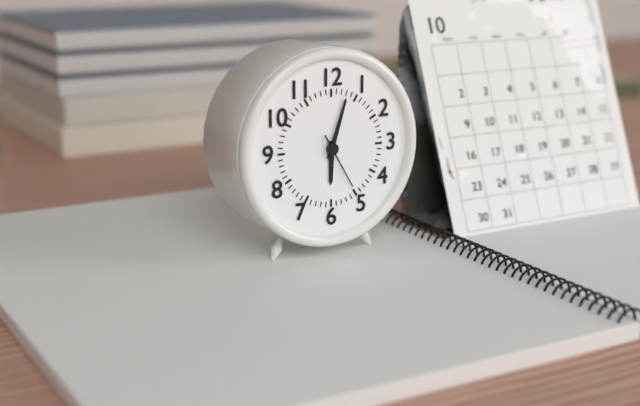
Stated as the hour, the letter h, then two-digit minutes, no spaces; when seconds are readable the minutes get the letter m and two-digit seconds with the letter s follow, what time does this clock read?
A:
6h03m25s
